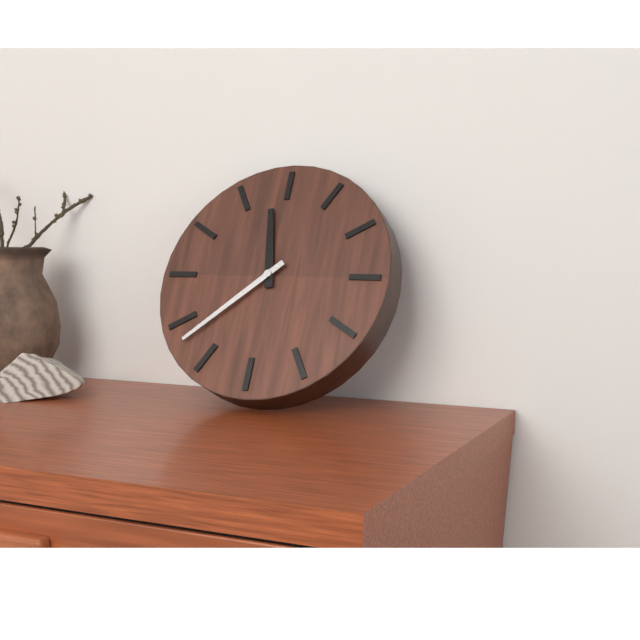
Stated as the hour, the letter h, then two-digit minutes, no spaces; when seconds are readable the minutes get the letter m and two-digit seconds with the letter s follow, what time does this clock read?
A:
11h38
